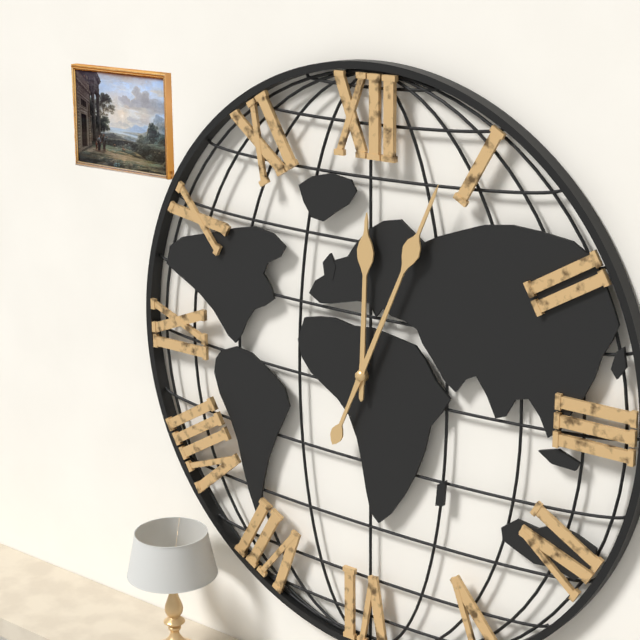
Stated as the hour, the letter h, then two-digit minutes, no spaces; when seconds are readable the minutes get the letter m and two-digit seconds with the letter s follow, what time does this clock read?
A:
12h04
